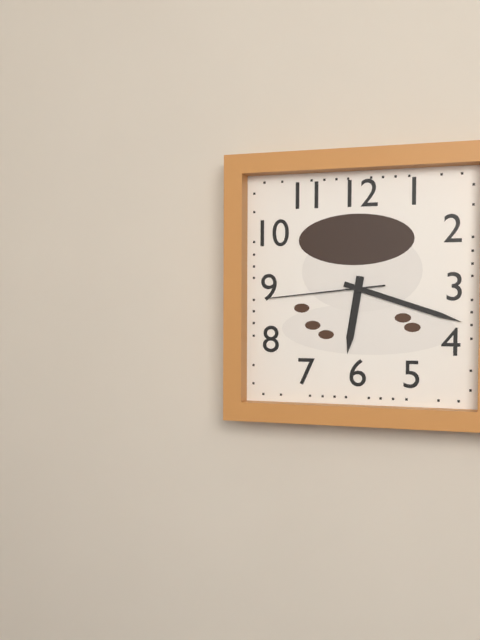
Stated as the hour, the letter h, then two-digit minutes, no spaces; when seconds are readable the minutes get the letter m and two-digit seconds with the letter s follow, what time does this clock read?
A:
6h18m44s
